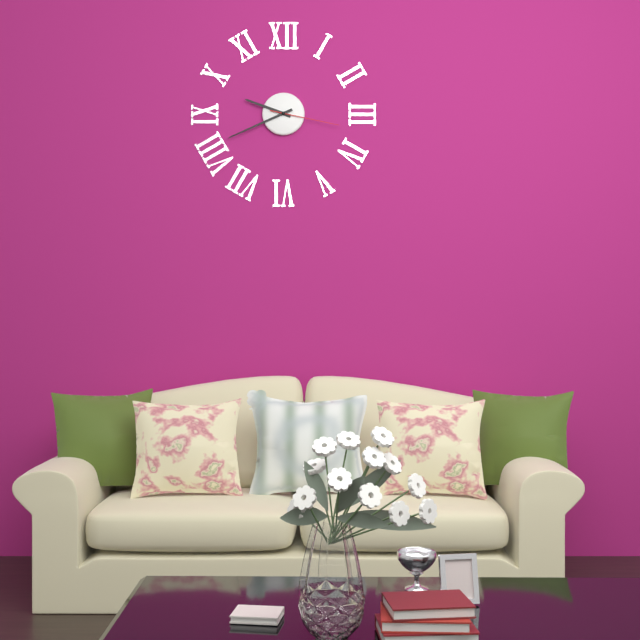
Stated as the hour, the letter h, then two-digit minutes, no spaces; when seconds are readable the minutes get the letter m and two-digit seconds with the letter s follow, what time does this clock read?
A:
9h41m17s
